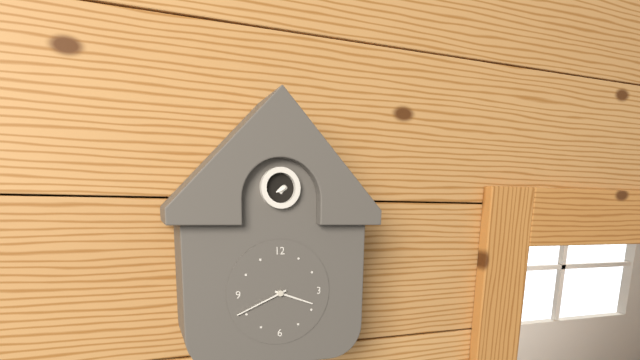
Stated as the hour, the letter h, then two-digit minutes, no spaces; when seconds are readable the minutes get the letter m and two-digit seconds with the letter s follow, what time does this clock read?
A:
3h41
